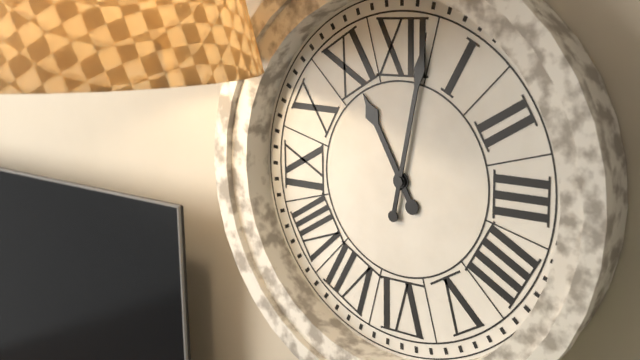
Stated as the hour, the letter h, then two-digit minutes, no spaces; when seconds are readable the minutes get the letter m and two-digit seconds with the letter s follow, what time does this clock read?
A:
11h02
